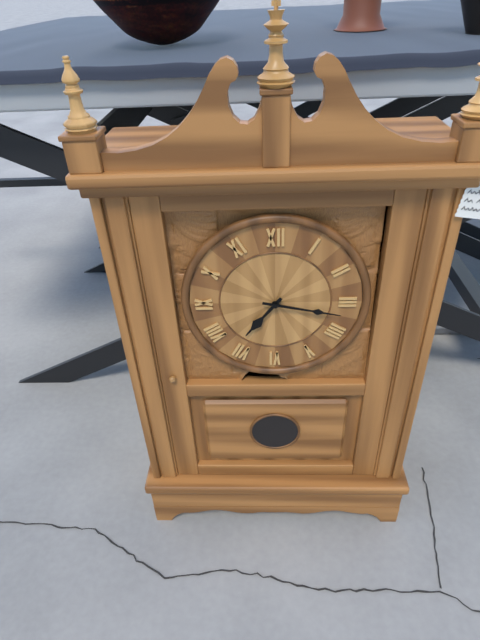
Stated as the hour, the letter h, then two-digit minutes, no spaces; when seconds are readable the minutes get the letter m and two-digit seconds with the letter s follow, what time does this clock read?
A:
7h17
